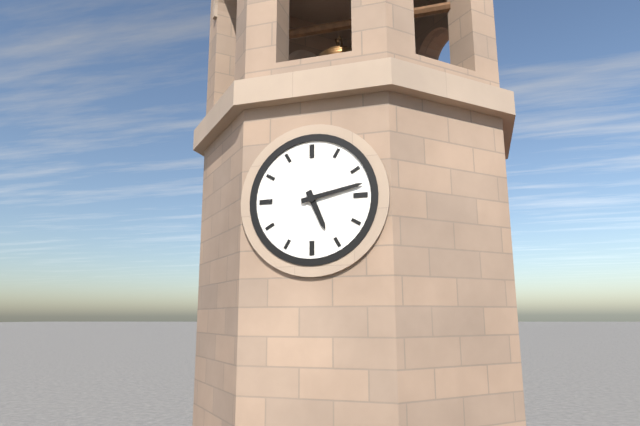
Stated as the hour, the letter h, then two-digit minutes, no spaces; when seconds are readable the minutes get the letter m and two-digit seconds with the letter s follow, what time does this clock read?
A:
5h13
